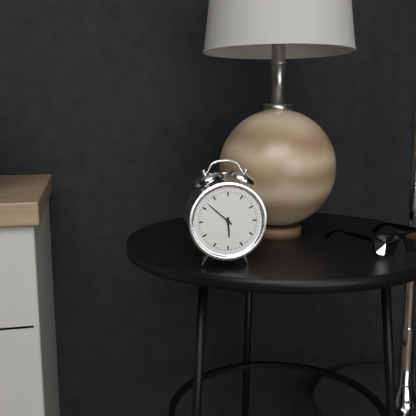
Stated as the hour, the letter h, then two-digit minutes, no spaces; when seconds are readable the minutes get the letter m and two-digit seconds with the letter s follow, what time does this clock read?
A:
5h52
